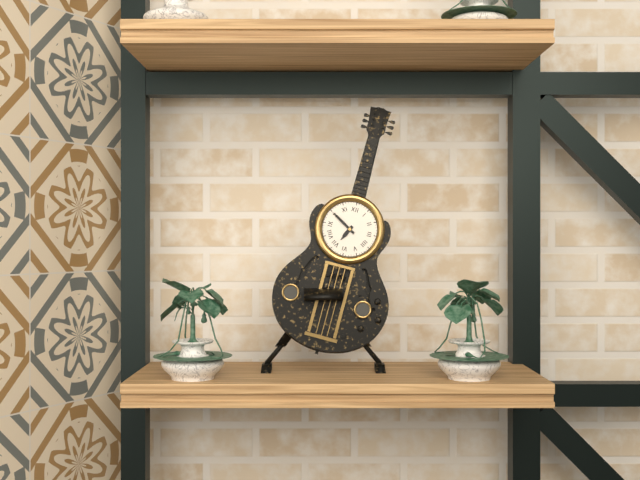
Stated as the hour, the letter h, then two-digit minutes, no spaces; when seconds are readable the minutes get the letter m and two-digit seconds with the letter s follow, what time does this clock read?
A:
6h50
